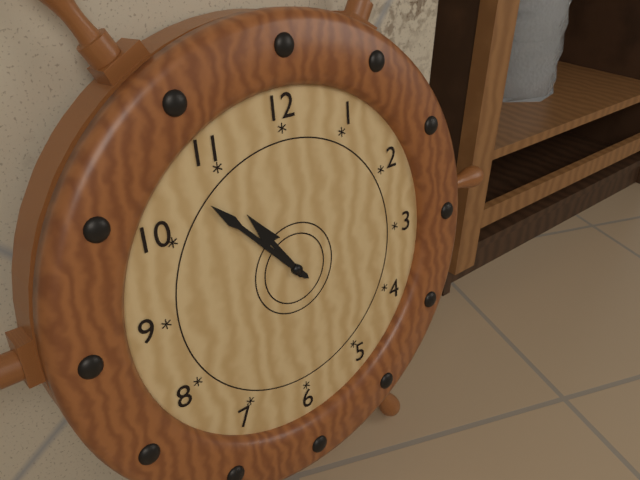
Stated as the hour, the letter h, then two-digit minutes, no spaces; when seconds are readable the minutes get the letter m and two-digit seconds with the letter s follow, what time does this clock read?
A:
10h53
